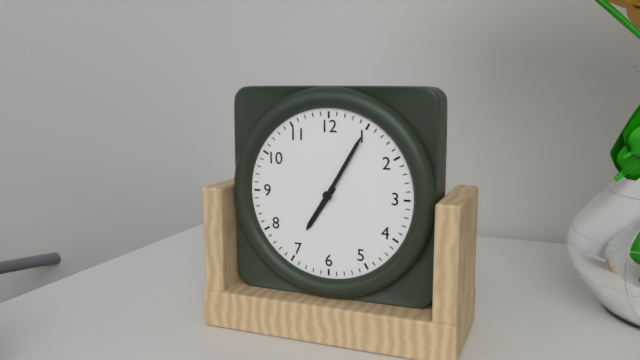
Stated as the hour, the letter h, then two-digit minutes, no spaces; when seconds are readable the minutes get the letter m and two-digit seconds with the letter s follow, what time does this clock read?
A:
7h05
